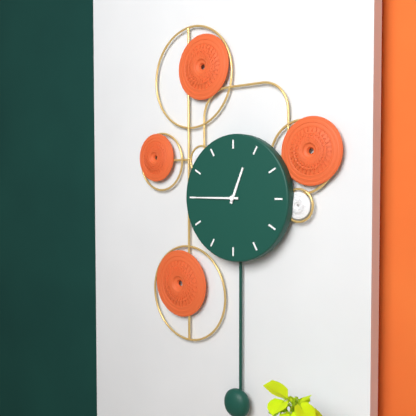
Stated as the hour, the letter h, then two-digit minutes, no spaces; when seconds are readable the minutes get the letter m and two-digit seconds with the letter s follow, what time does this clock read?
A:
12h45
